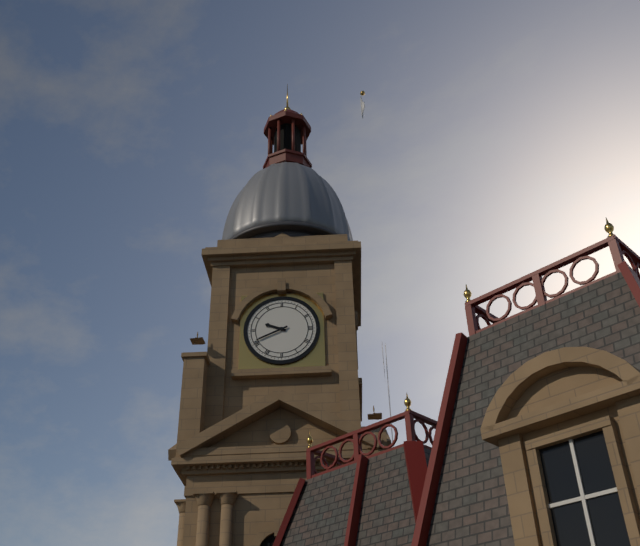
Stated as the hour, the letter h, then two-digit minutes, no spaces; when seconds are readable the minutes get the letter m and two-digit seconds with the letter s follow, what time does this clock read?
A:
9h41
